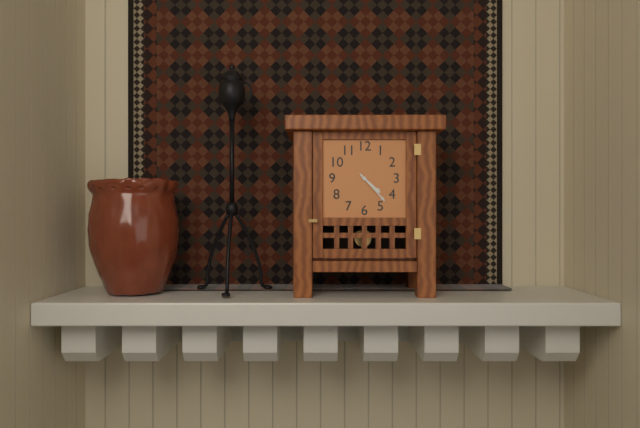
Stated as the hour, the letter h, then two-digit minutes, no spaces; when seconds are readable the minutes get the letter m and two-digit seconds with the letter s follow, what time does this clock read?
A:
4h23
